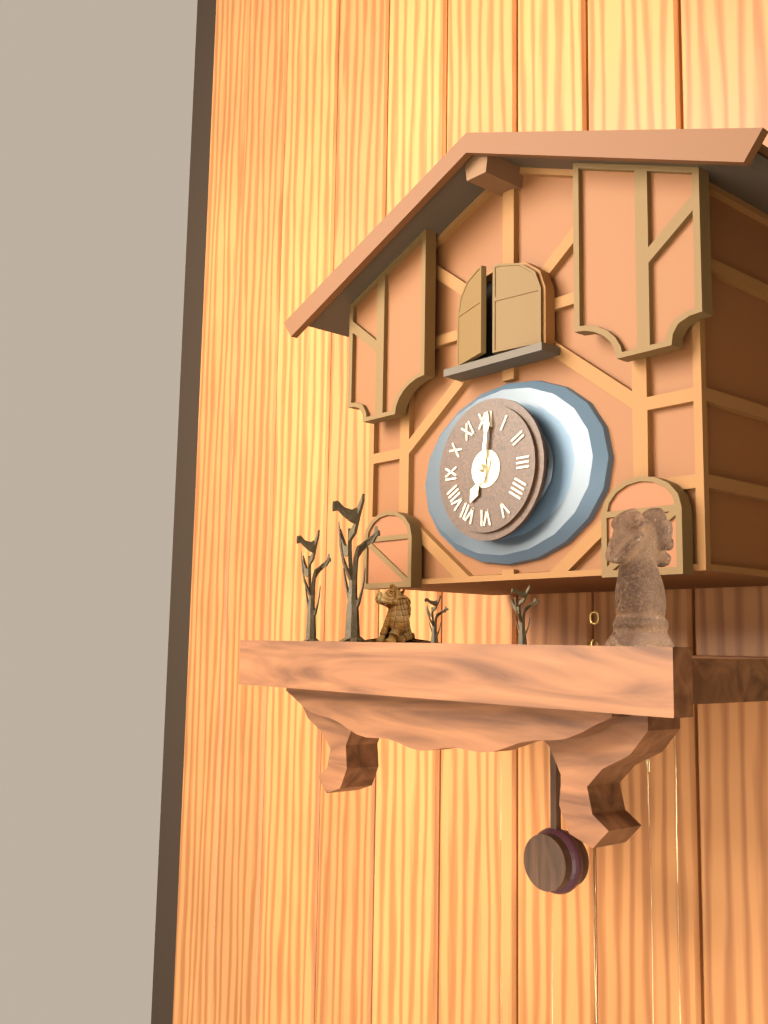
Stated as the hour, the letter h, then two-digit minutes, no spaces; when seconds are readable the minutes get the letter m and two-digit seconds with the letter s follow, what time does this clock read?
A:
7h01
